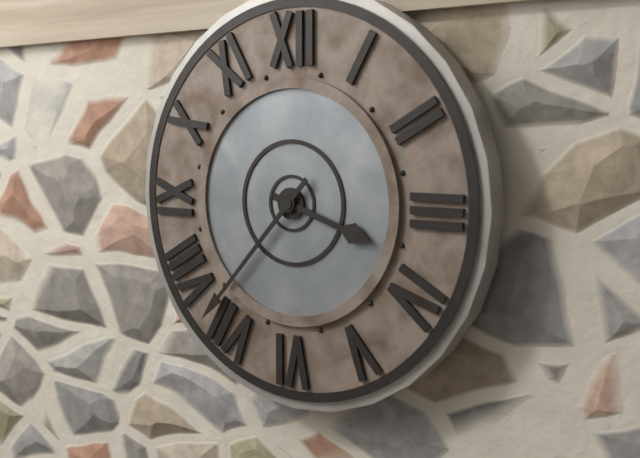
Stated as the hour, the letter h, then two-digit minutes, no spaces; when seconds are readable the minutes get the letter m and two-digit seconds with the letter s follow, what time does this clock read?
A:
3h37
